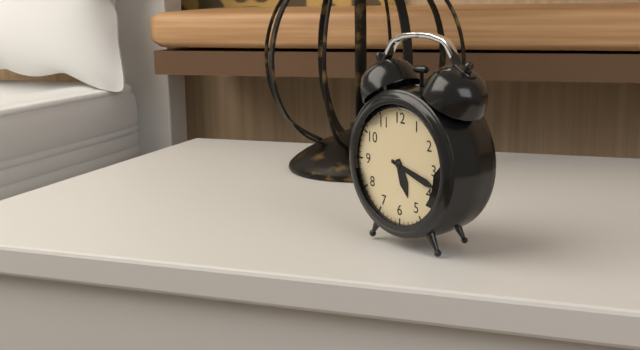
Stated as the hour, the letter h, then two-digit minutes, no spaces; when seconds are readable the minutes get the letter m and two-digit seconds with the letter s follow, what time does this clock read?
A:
5h18
